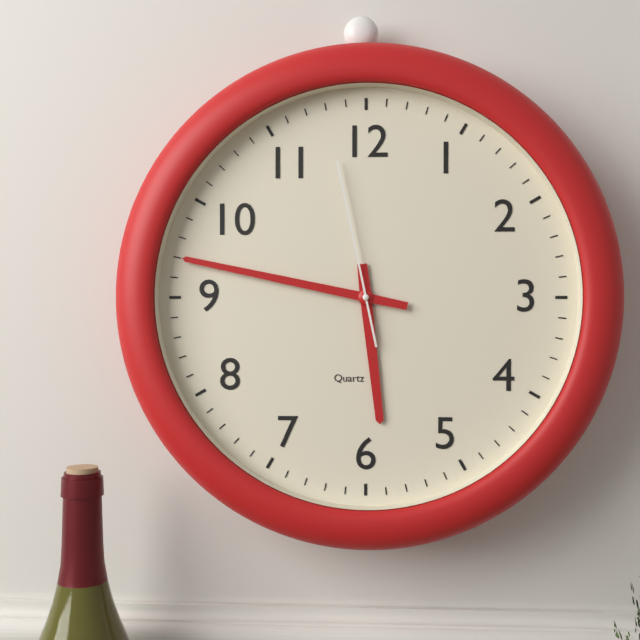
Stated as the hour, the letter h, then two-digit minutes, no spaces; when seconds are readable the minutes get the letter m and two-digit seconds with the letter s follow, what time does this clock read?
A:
5h47m58s
